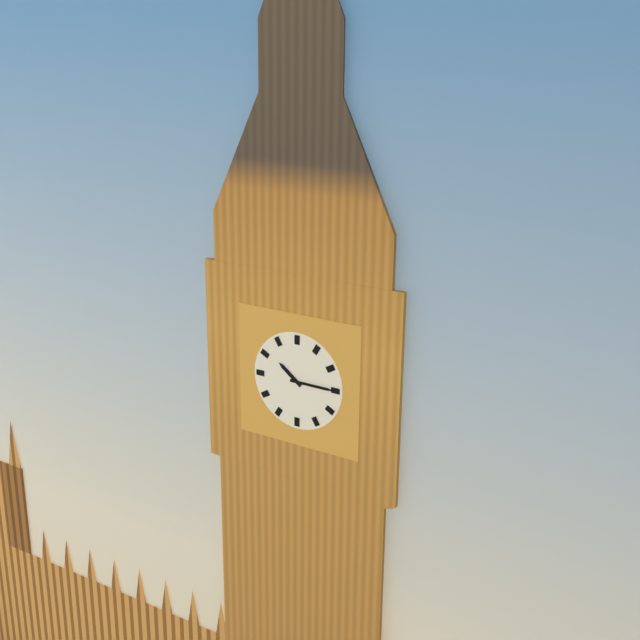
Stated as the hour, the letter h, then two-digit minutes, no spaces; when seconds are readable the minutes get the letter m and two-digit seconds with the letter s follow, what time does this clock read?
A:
10h15
